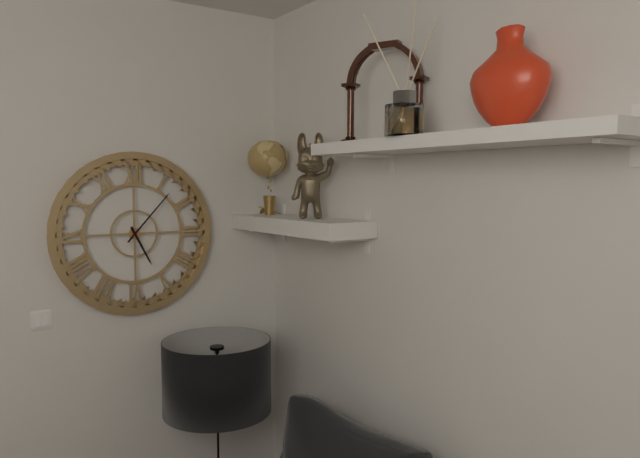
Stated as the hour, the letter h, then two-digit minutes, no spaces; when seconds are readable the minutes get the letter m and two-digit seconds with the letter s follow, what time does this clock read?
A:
5h07
